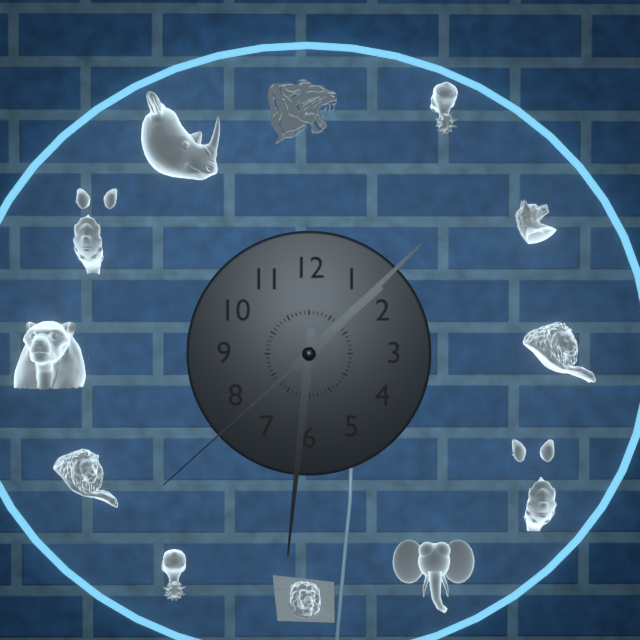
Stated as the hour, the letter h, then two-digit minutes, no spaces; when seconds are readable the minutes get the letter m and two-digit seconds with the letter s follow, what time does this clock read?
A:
1h31m38s
